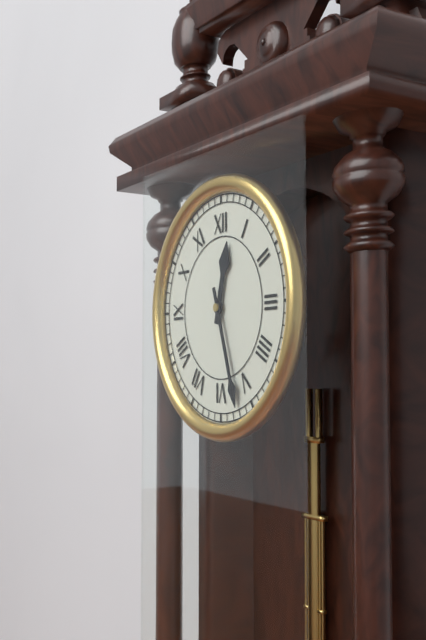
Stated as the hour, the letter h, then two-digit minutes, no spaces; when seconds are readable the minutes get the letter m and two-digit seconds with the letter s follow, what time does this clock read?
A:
12h27
